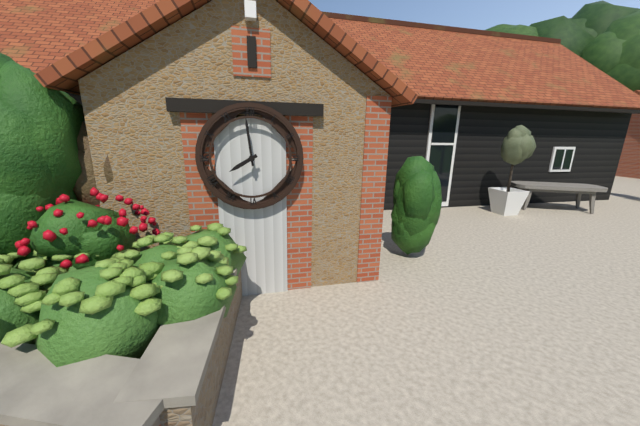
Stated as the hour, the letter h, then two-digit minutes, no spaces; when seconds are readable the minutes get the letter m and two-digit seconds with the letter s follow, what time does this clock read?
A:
7h59
